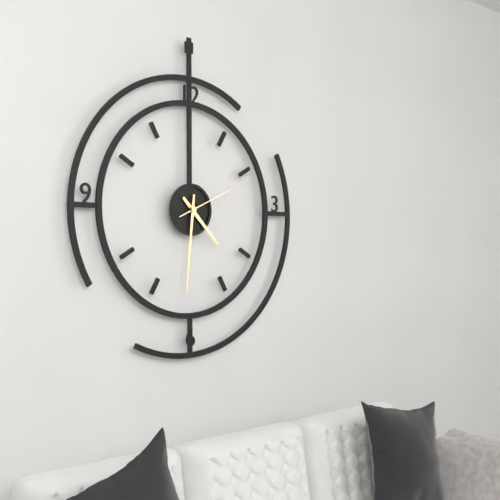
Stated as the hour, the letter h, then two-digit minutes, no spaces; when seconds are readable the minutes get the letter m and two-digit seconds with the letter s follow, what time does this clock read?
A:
4h31m11s
